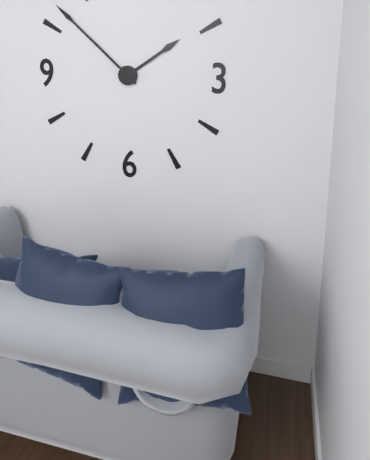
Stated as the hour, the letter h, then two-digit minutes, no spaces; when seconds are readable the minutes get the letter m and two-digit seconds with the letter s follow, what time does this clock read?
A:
1h52
